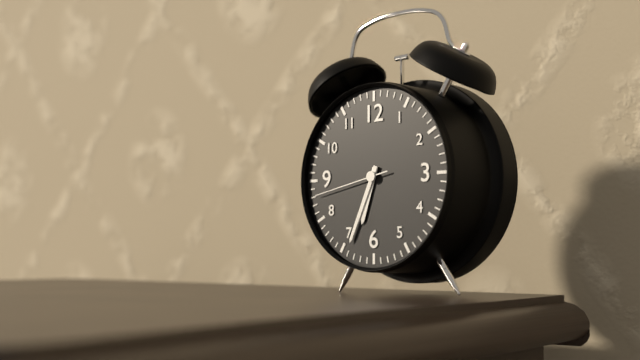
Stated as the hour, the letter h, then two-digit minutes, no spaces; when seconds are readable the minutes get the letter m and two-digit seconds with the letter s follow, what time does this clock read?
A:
6h34m43s
